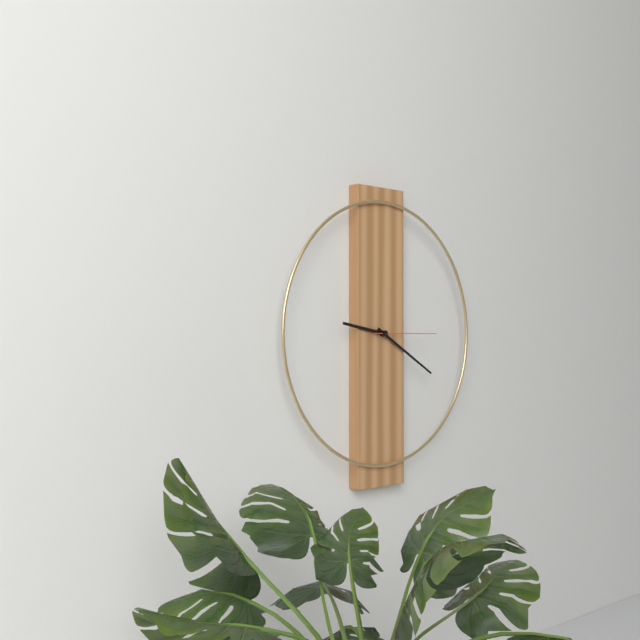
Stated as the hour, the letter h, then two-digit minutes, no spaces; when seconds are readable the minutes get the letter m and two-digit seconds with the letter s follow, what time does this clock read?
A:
9h20m15s
